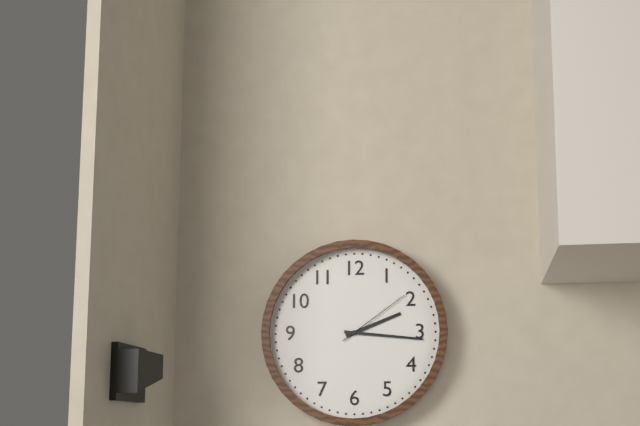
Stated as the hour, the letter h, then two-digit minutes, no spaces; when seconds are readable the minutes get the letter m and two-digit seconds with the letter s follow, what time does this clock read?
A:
2h16m09s
